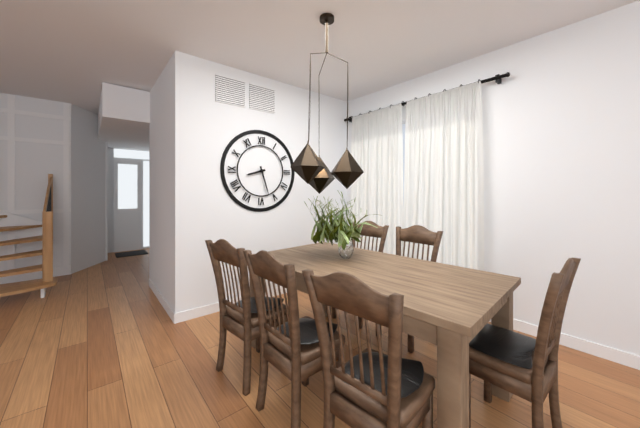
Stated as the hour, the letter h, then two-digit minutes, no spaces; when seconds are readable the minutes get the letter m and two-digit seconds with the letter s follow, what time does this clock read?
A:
8h27
